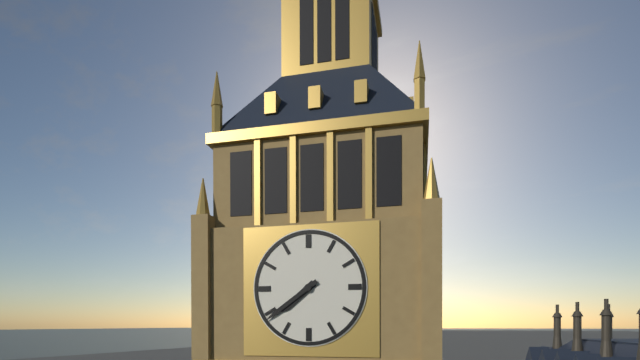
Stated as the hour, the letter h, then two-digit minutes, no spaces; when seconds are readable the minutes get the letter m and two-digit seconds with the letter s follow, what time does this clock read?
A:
7h39
